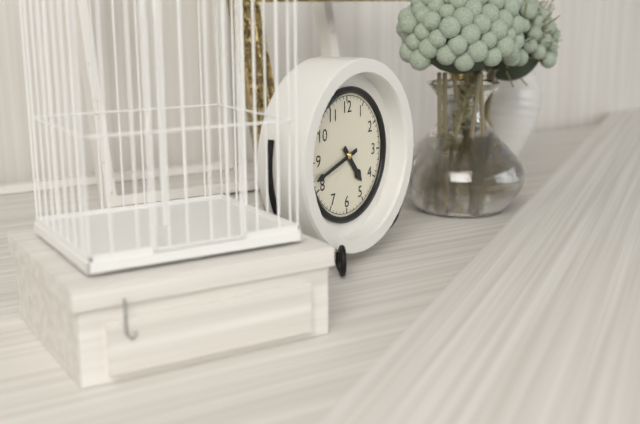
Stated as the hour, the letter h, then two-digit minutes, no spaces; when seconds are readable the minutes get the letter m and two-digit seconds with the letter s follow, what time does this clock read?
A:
4h42
